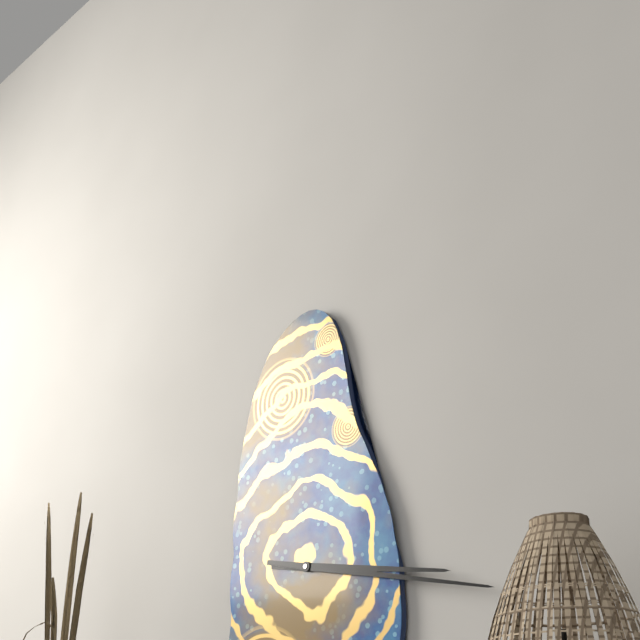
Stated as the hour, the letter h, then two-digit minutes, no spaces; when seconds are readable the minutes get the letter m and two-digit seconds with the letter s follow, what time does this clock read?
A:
3h17
